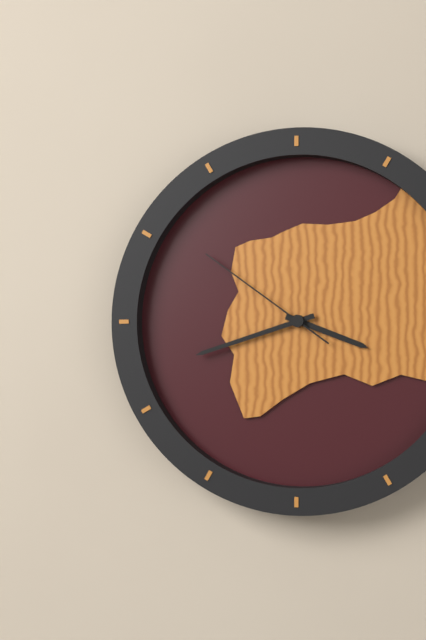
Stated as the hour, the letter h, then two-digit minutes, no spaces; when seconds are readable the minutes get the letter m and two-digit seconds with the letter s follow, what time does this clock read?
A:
3h42m51s
